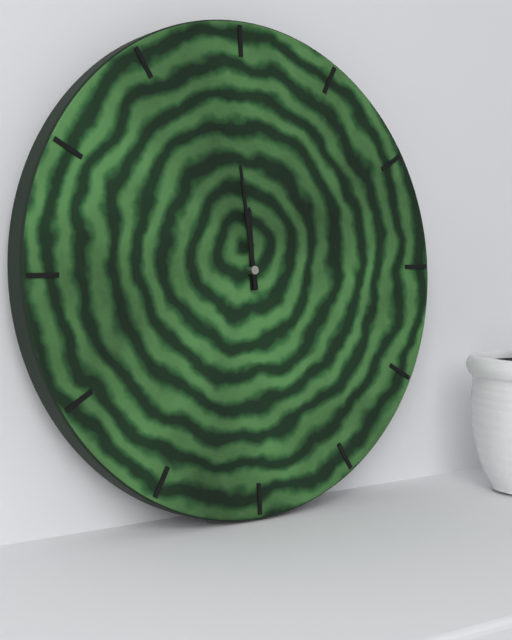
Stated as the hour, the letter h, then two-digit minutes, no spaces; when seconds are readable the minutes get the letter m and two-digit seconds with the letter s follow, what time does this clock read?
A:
11h59
